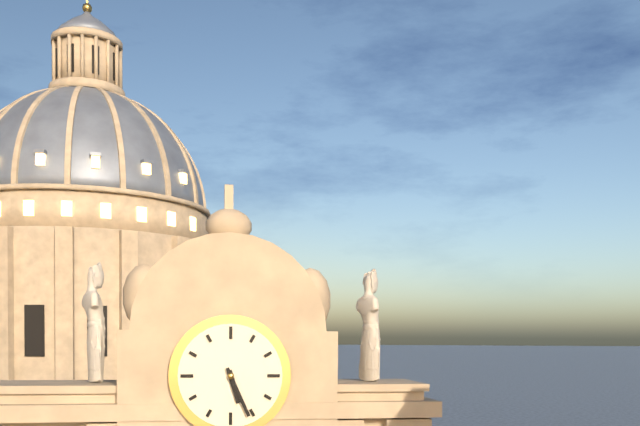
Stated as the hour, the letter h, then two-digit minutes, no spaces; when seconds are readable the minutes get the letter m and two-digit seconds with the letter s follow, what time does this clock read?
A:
5h26
